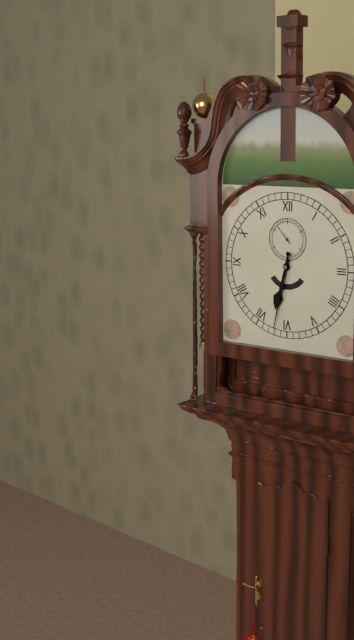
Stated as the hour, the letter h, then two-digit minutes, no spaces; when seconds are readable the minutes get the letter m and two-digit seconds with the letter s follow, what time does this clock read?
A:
6h32
